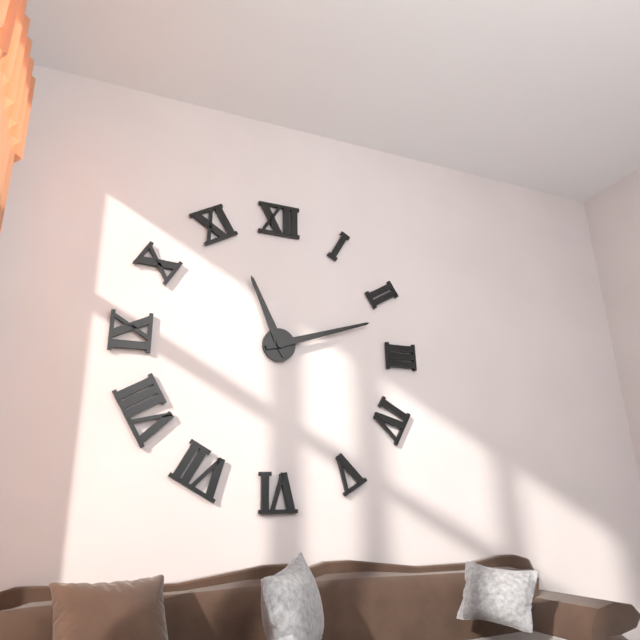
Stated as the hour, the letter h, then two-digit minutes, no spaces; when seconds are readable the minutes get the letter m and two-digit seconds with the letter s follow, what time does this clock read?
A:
11h12
